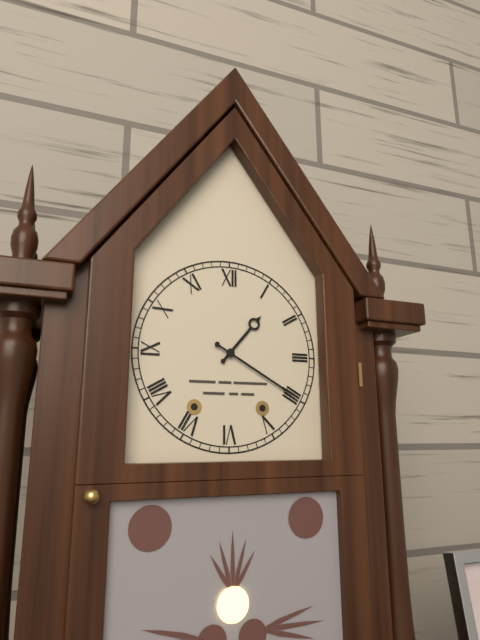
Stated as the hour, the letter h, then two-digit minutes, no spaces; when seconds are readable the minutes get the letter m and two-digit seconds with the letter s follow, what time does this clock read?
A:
1h20
